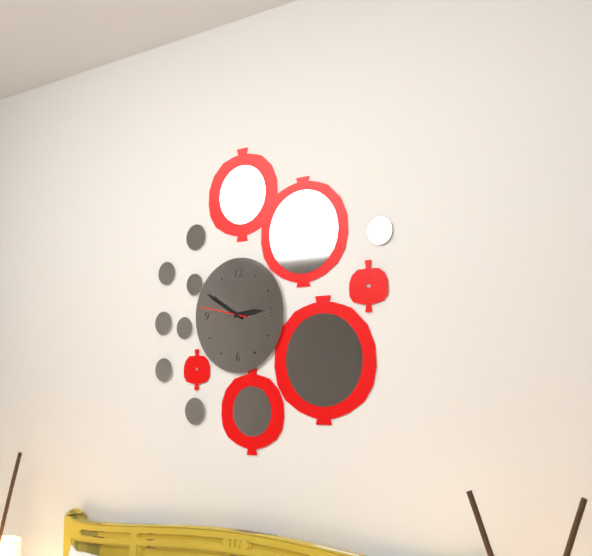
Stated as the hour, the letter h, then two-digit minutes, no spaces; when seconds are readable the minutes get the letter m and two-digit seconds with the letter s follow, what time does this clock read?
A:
2h50
